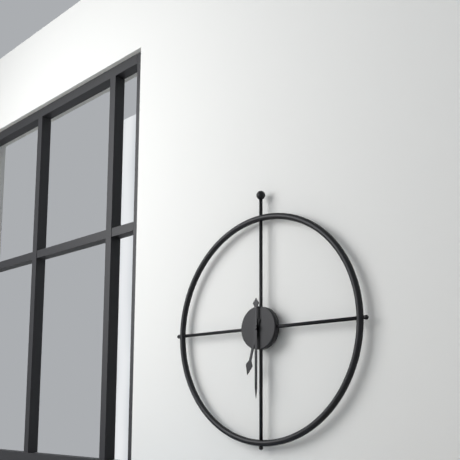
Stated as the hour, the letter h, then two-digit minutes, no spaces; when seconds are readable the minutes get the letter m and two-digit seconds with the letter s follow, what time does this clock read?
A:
6h30
